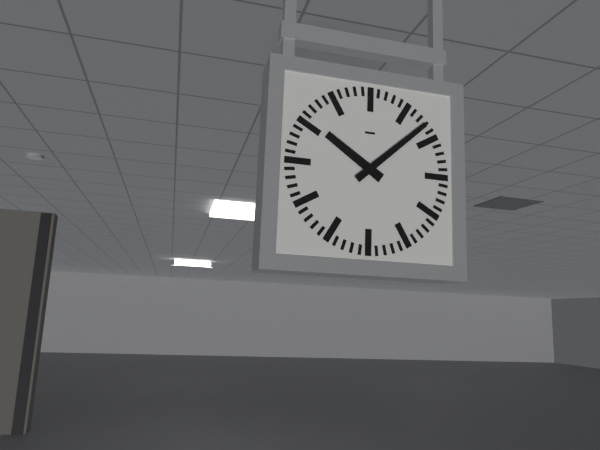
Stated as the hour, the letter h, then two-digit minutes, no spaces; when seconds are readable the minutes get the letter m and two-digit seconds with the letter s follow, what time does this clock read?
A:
10h08
